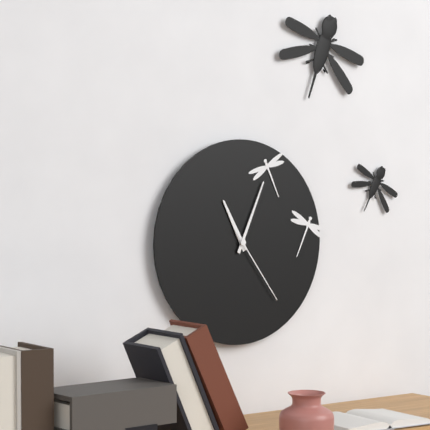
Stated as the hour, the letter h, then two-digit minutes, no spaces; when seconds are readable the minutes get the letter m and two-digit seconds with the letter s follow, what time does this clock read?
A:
11h04m24s
